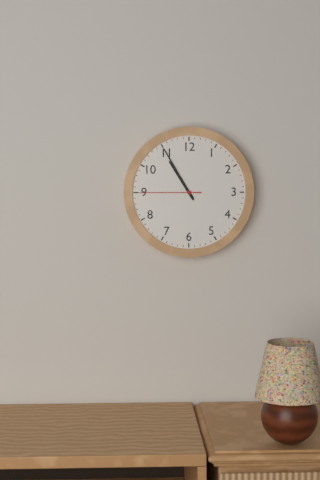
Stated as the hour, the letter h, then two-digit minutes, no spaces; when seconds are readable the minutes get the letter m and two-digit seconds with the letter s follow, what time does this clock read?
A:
10h55m45s
